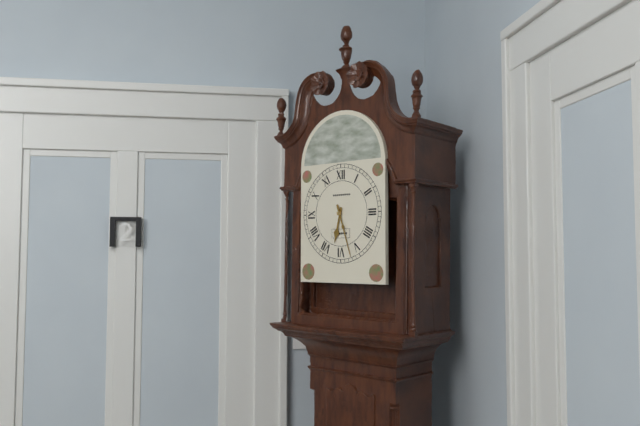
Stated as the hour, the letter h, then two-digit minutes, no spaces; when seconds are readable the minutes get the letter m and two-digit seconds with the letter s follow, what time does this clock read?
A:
6h27
